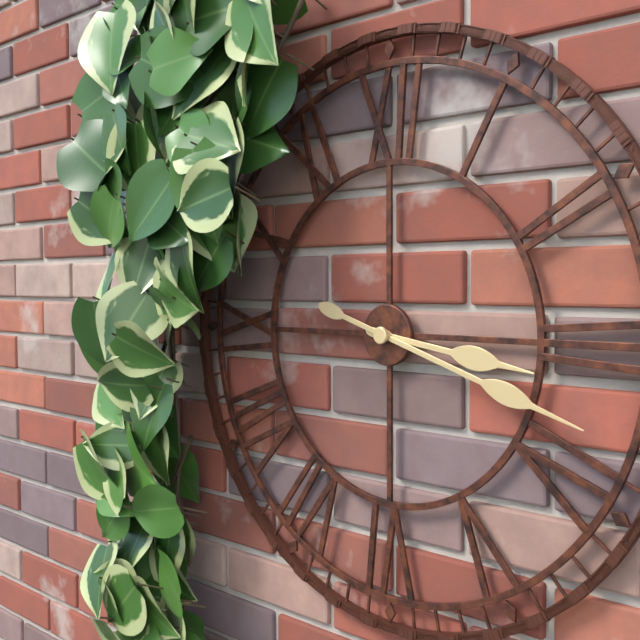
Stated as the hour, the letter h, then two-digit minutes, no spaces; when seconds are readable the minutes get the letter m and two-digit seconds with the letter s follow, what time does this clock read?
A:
3h18
